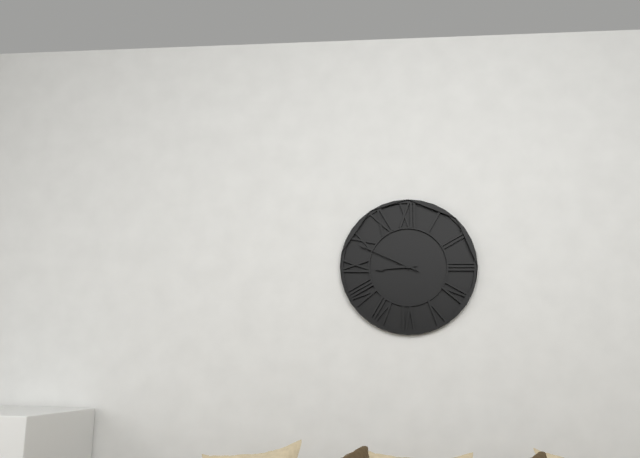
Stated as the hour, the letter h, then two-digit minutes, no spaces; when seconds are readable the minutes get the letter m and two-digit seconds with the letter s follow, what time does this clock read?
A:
8h49
